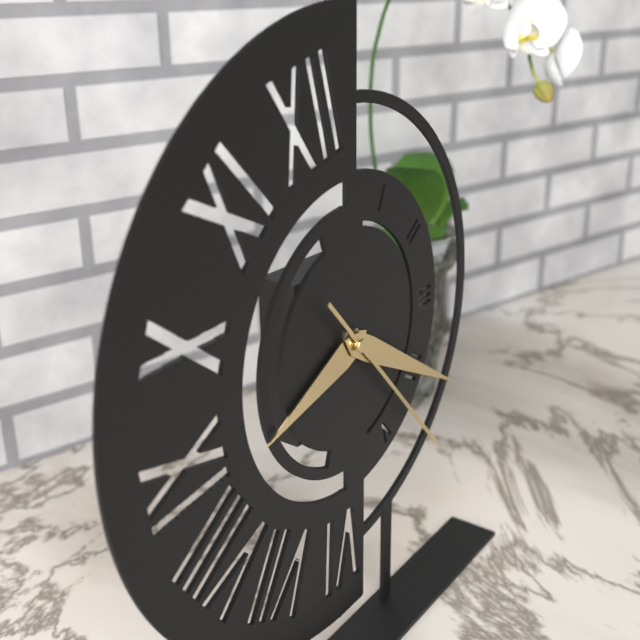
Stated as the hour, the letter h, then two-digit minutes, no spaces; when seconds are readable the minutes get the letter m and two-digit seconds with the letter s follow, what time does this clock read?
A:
8h20m23s
